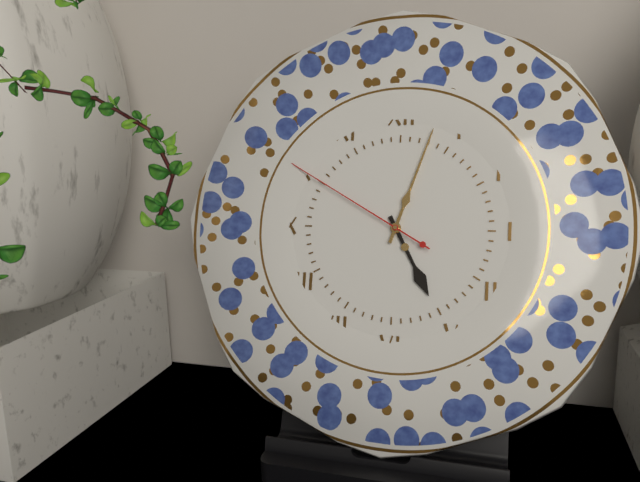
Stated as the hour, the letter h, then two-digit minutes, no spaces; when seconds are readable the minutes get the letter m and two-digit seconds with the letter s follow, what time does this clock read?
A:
5h03m50s
